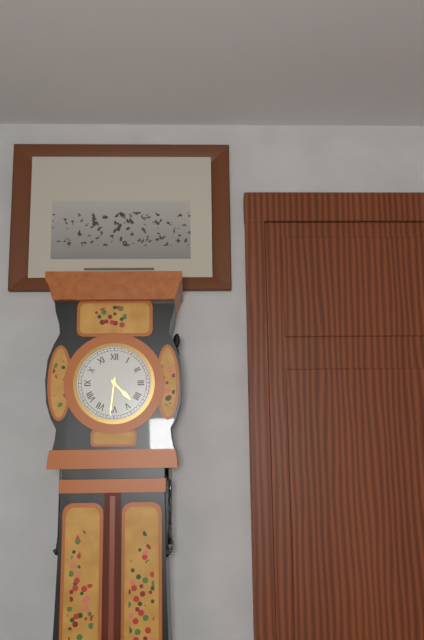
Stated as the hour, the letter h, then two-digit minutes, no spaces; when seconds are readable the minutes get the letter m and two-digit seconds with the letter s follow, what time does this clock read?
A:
4h31
